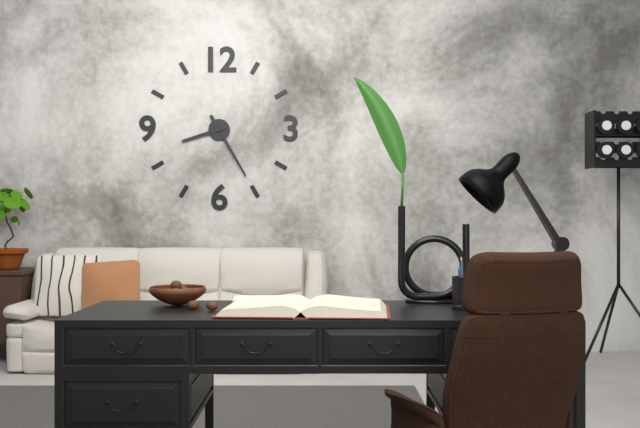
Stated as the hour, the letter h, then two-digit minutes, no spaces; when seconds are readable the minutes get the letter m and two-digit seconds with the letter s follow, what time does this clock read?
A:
8h25
